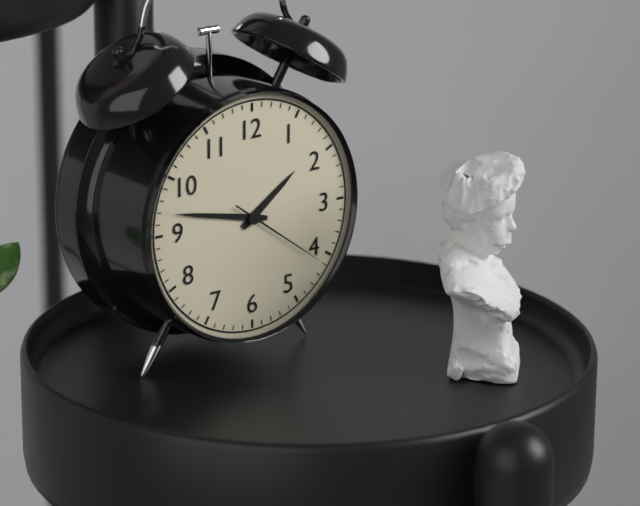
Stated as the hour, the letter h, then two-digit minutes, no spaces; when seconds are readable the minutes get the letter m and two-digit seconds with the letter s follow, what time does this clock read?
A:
1h47m21s
